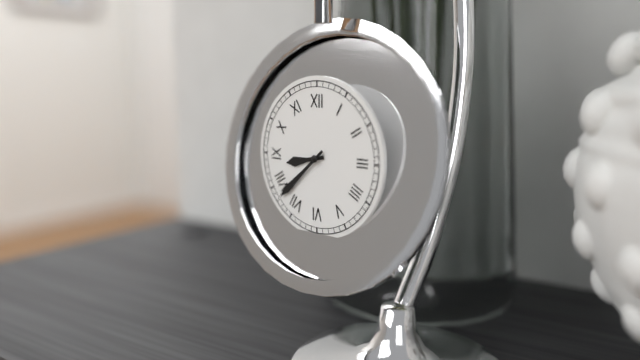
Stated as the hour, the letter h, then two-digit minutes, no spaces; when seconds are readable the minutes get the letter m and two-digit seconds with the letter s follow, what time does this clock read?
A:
8h38
